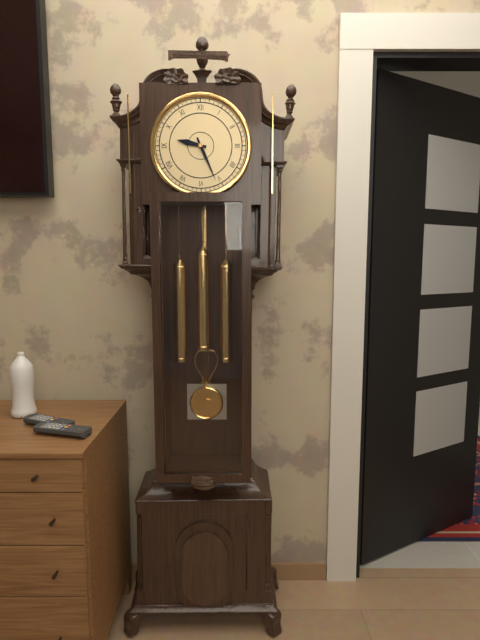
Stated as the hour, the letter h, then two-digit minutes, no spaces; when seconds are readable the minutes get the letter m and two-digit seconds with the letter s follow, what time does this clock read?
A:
9h26
